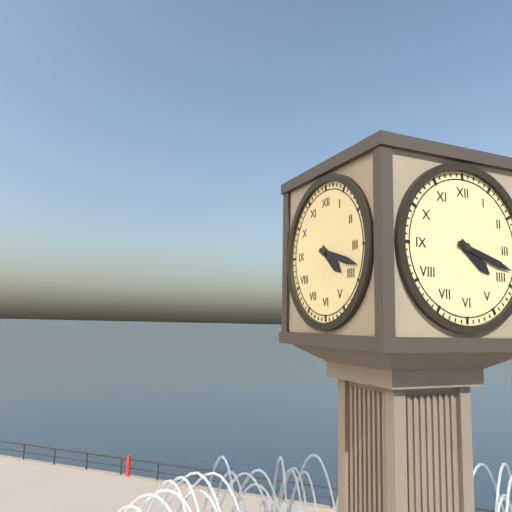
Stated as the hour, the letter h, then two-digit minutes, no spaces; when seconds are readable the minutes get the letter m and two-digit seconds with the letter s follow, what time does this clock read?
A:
4h18
